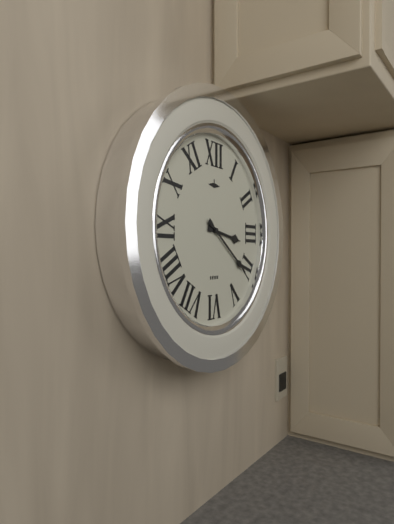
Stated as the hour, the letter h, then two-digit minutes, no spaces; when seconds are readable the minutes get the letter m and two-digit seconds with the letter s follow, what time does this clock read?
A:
3h21
